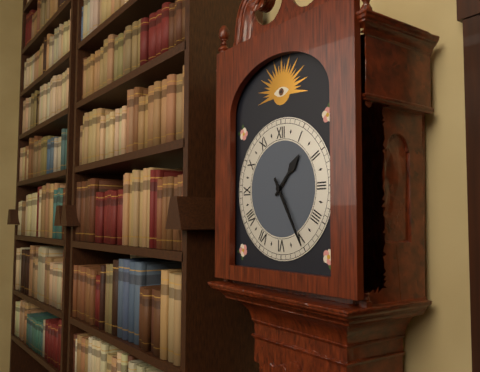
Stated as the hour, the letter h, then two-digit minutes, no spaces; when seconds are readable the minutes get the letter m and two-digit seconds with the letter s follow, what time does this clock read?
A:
1h25
